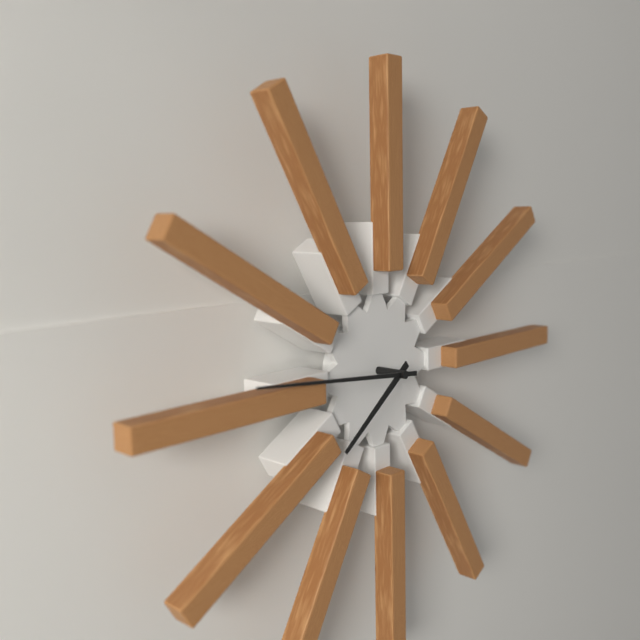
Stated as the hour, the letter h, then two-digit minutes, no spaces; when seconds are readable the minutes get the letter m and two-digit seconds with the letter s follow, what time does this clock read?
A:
7h46
